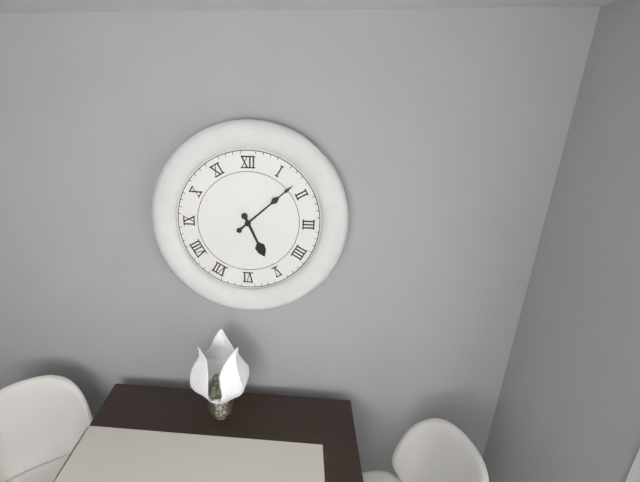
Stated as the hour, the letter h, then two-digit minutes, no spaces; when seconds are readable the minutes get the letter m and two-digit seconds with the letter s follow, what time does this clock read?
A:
5h08
